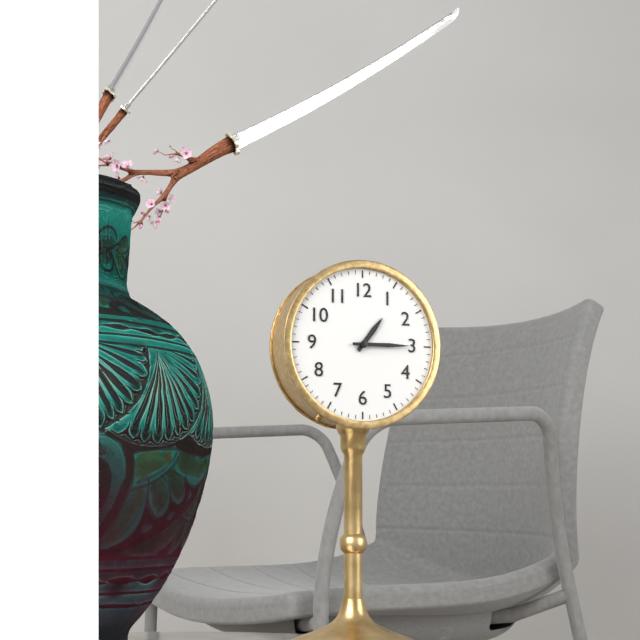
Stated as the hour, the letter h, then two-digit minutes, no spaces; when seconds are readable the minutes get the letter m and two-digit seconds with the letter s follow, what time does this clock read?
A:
1h15
